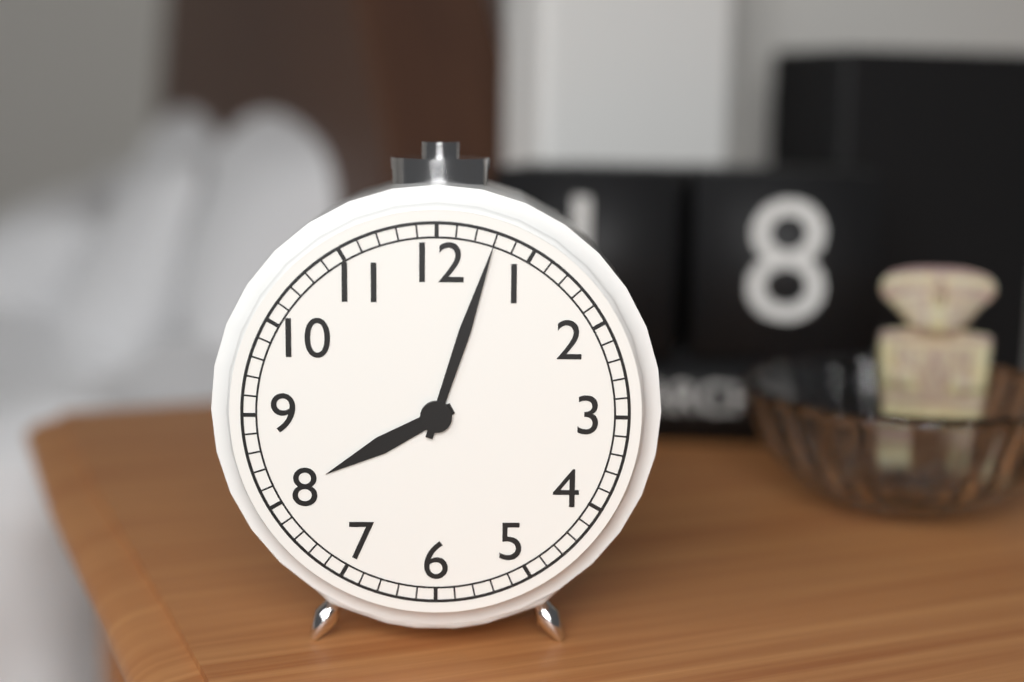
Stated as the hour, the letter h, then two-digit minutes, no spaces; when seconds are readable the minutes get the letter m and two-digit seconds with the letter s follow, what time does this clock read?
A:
8h03
